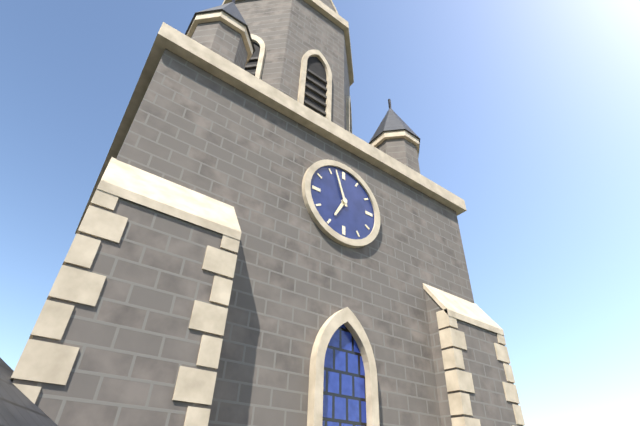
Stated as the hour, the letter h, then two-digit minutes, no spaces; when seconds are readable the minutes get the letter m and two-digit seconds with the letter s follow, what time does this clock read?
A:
6h57
